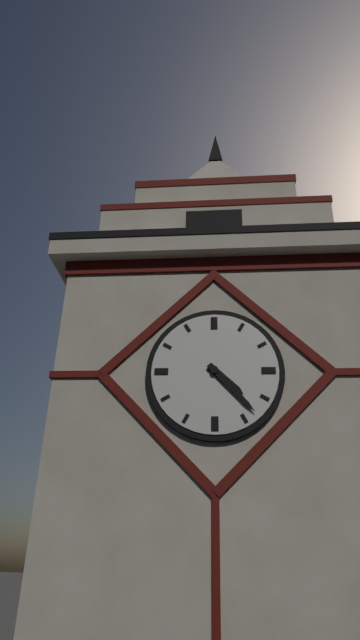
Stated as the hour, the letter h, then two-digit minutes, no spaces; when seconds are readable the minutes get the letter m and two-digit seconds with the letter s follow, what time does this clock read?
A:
4h23
